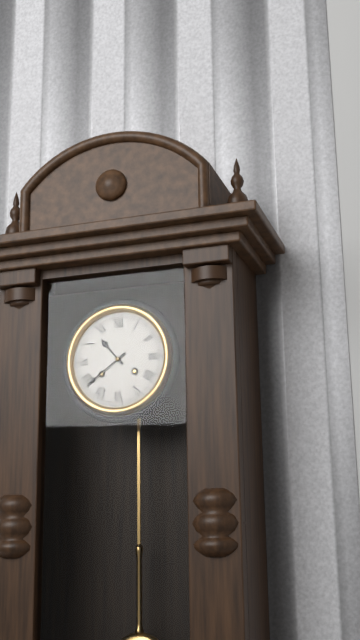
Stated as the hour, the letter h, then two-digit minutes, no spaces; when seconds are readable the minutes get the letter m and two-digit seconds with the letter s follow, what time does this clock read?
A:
10h39
